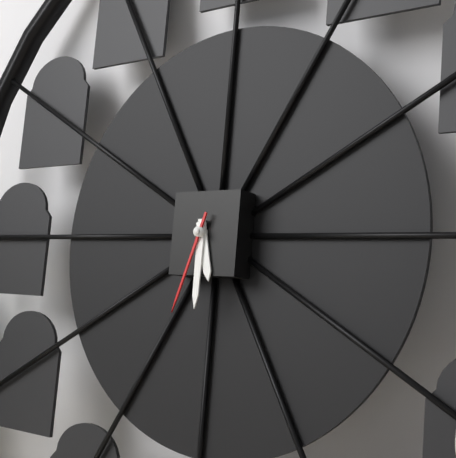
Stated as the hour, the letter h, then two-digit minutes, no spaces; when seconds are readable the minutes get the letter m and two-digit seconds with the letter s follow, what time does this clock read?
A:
5h30m33s
